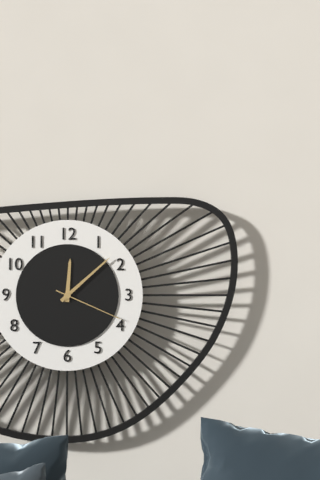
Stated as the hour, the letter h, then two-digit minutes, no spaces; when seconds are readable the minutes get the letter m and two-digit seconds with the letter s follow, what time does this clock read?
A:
12h08m19s
